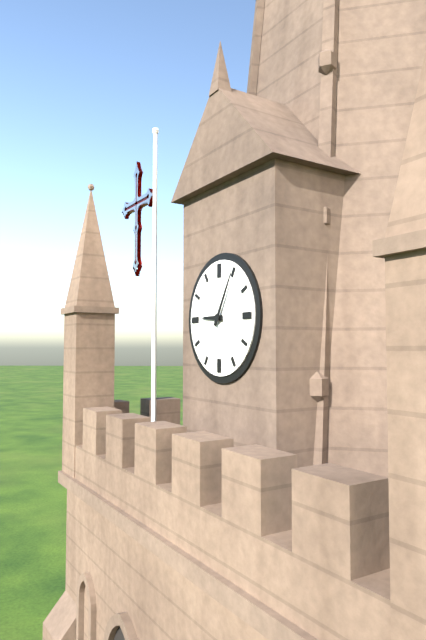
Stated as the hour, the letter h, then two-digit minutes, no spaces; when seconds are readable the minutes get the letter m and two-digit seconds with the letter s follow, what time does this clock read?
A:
9h05
